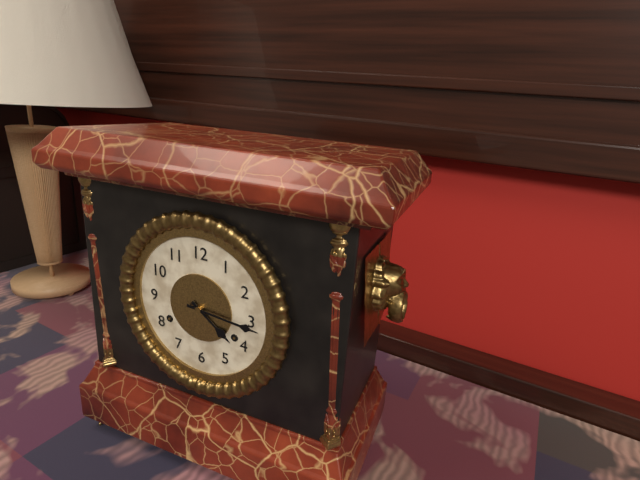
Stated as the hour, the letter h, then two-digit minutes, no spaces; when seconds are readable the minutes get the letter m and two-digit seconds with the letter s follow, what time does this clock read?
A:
4h16
